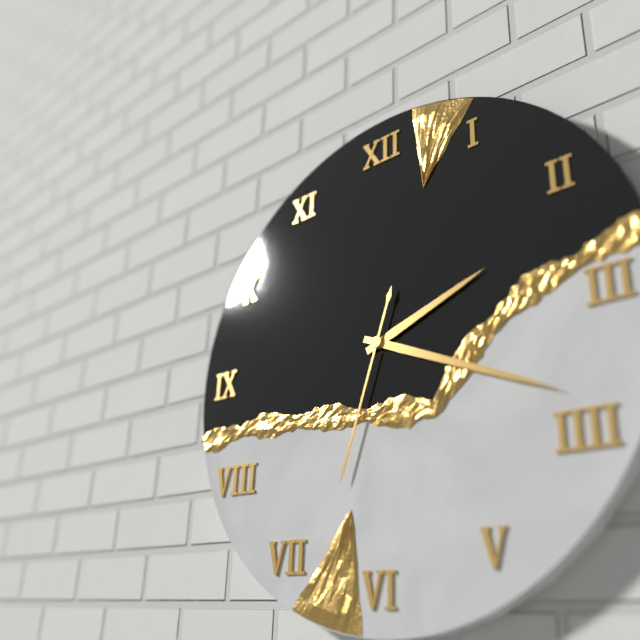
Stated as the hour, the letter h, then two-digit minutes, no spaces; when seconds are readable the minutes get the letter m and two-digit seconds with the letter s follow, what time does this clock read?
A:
2h19m33s
